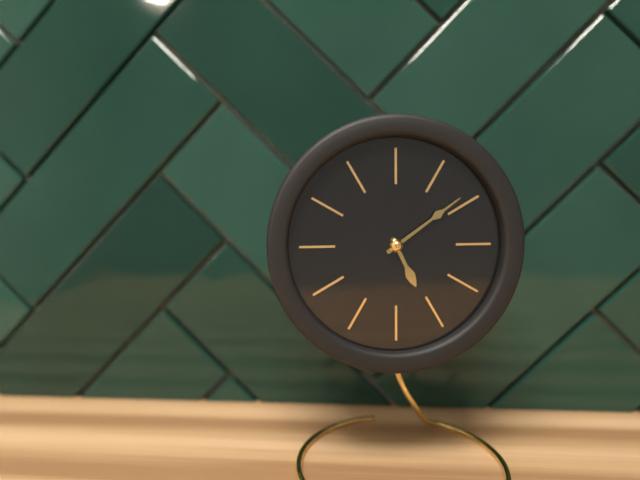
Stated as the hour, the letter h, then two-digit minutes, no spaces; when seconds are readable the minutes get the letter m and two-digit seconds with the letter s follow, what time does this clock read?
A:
5h09
